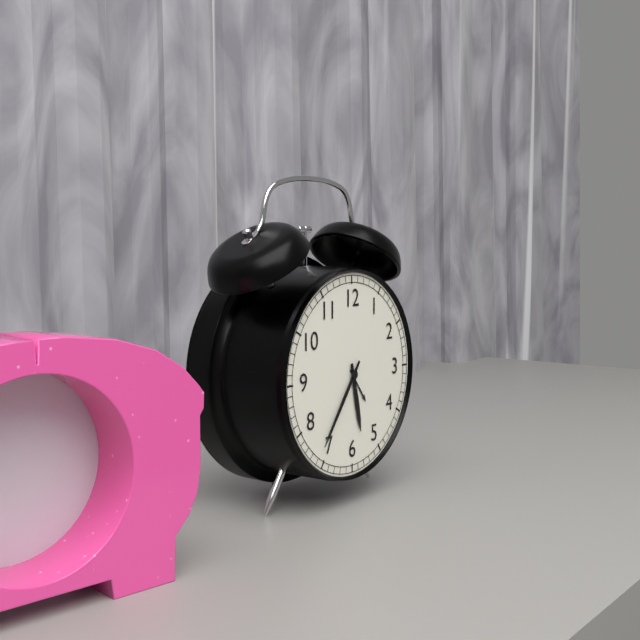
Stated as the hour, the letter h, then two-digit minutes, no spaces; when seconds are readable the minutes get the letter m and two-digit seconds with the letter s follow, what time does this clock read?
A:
5h36
